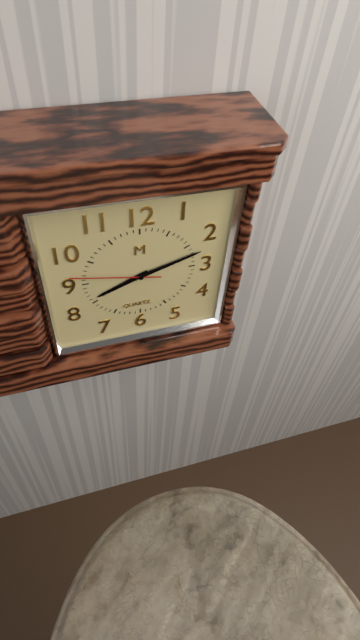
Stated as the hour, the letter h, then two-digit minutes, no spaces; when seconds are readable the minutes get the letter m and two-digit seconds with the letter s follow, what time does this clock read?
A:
8h12m47s
